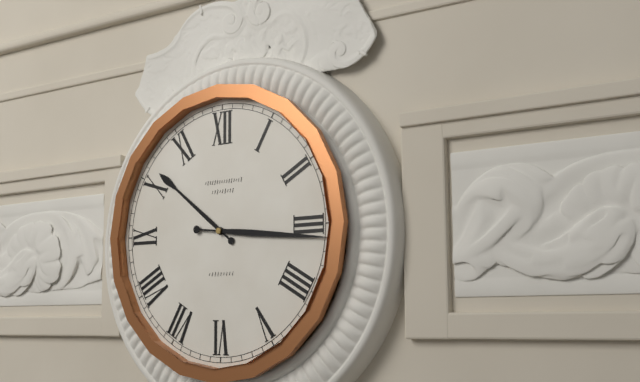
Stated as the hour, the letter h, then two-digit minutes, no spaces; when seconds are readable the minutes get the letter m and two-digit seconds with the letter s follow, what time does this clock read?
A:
10h16
